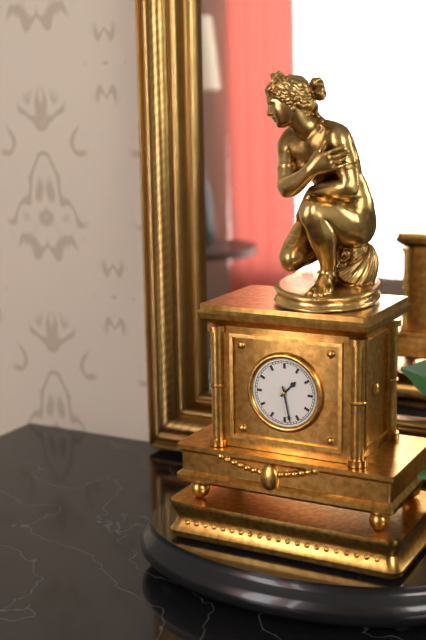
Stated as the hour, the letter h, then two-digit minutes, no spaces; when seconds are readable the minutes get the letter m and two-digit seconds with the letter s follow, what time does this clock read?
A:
1h28
